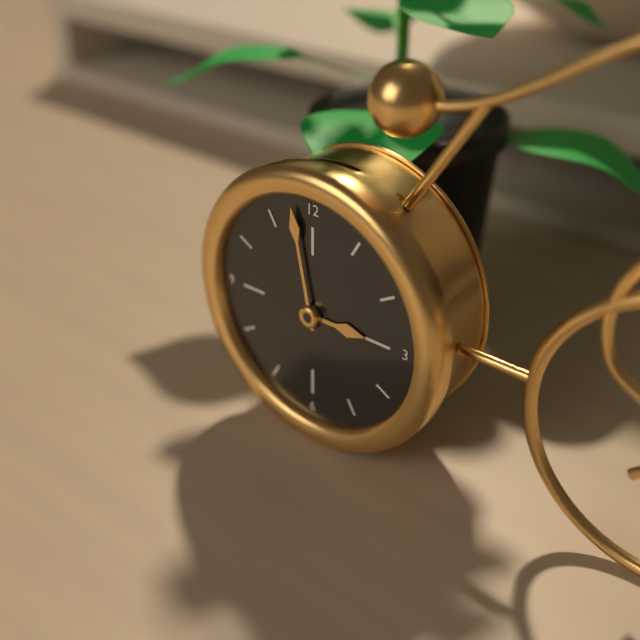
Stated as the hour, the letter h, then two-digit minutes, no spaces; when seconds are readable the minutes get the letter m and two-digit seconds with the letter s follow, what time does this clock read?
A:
2h58
